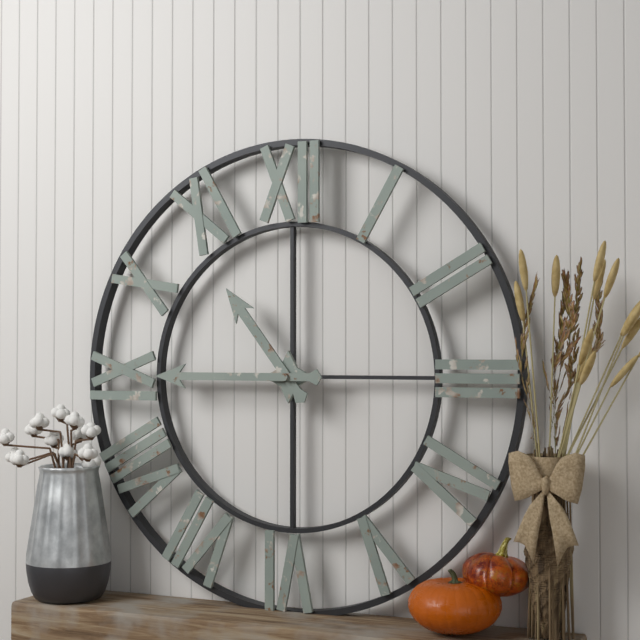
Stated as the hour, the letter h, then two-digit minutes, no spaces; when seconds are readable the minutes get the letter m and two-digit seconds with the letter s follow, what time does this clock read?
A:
10h45
